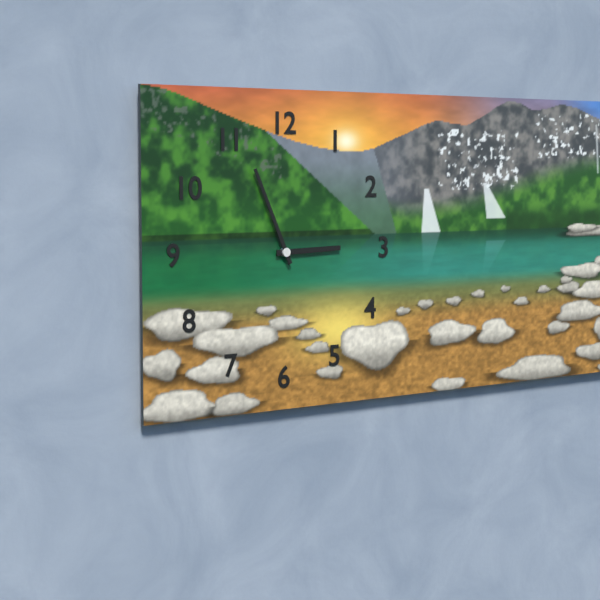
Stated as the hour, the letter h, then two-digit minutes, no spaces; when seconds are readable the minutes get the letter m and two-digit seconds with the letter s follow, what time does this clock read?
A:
2h56
